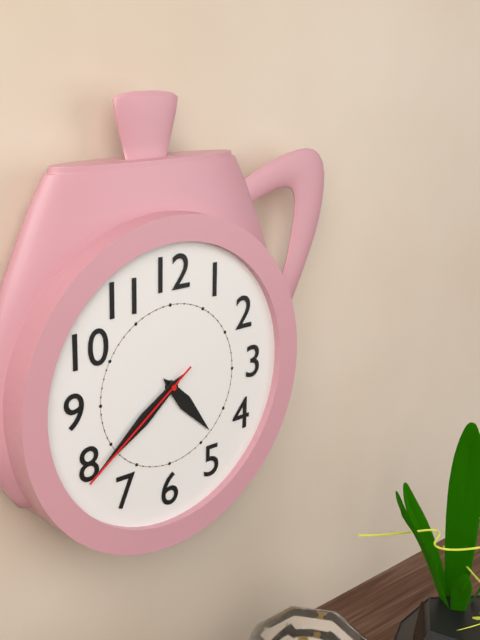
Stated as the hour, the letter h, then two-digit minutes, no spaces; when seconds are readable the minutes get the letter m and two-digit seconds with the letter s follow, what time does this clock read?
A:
4h39m39s
